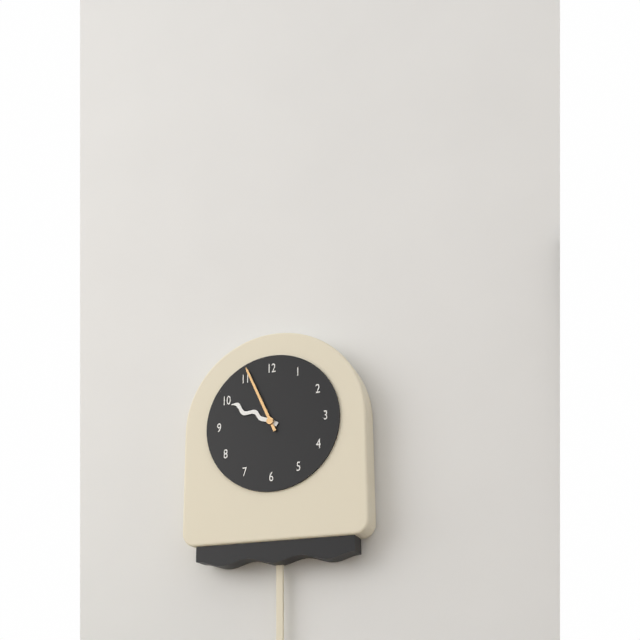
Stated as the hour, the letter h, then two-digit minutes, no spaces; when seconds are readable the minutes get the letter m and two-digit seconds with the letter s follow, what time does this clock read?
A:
9h56
